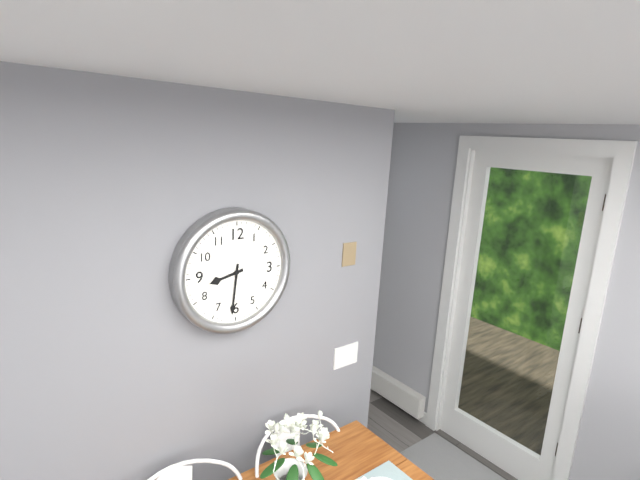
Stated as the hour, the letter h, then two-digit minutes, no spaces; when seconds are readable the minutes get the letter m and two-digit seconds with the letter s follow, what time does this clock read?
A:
8h31
